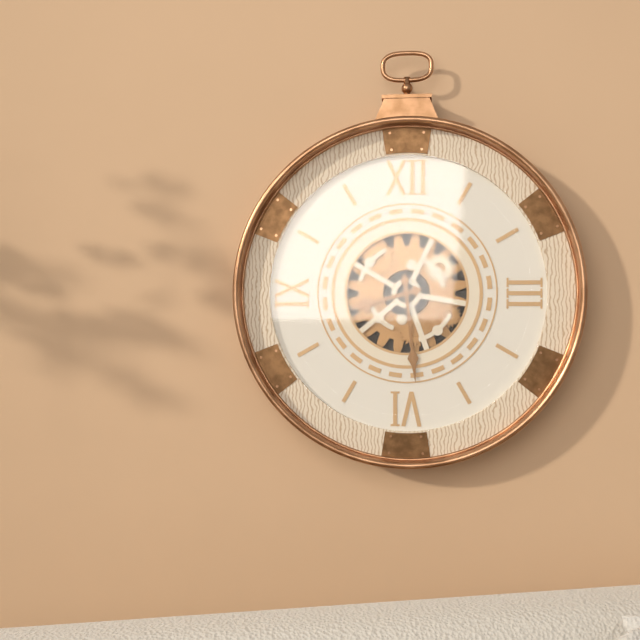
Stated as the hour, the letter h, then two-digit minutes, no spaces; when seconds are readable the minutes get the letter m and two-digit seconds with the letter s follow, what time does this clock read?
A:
8h29
